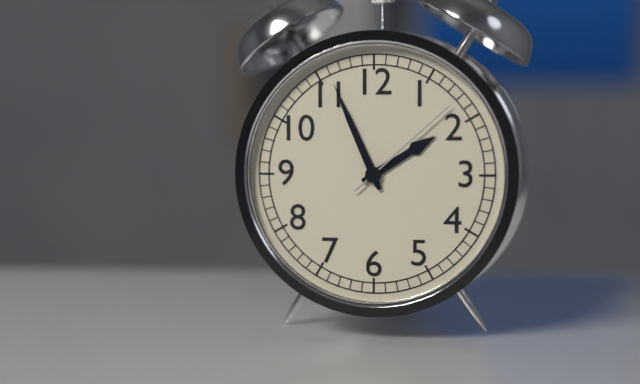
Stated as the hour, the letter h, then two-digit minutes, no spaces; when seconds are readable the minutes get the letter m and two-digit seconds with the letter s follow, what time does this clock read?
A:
1h56m08s
